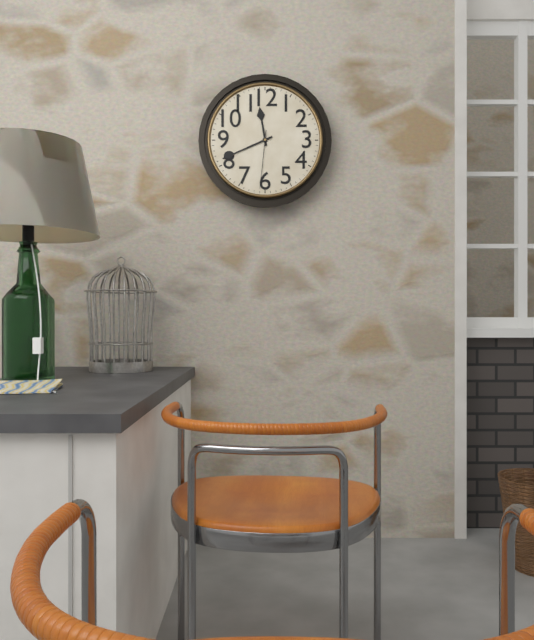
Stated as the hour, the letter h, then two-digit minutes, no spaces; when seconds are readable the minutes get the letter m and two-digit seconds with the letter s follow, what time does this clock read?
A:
11h41m31s
